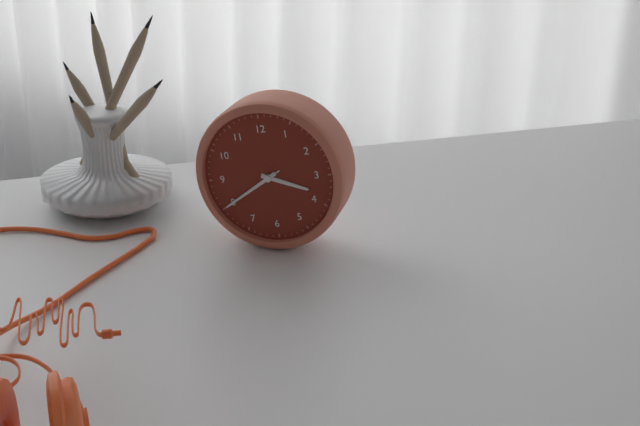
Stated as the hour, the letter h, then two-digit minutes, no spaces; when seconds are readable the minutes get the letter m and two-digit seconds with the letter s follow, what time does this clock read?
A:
3h40m40s
